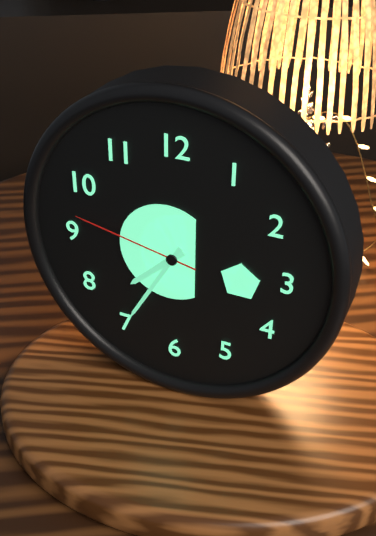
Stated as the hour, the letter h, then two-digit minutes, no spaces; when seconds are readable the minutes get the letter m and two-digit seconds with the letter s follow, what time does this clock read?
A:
7h35m47s
